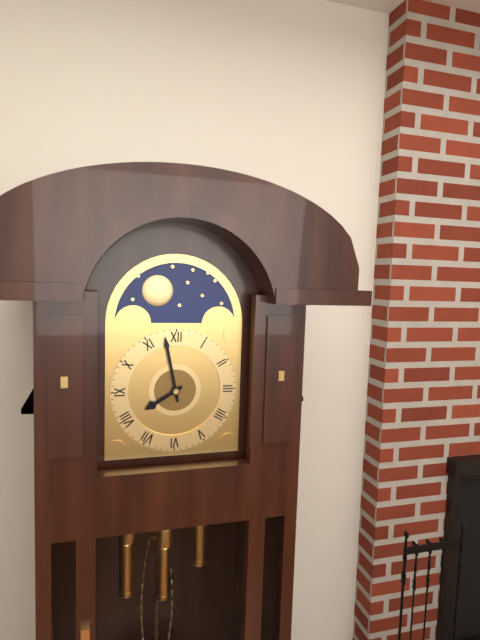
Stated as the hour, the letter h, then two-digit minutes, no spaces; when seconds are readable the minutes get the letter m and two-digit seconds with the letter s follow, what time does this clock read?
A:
7h58
